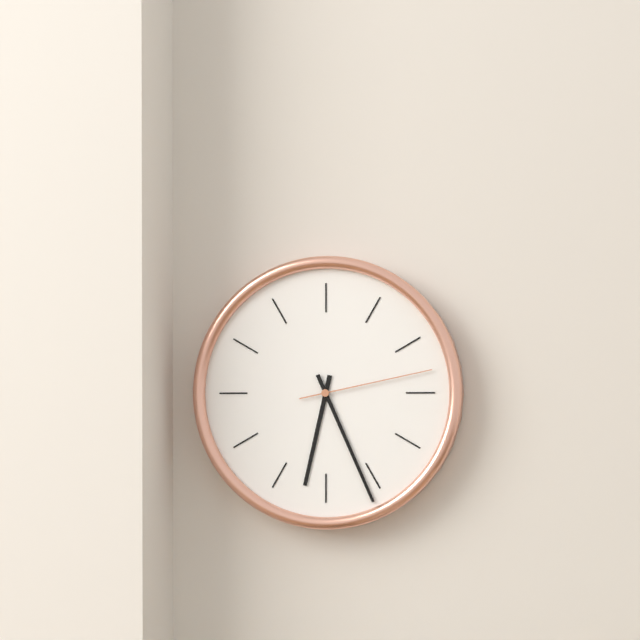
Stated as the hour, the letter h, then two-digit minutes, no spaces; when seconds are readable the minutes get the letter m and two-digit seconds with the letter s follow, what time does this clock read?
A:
6h26m13s
